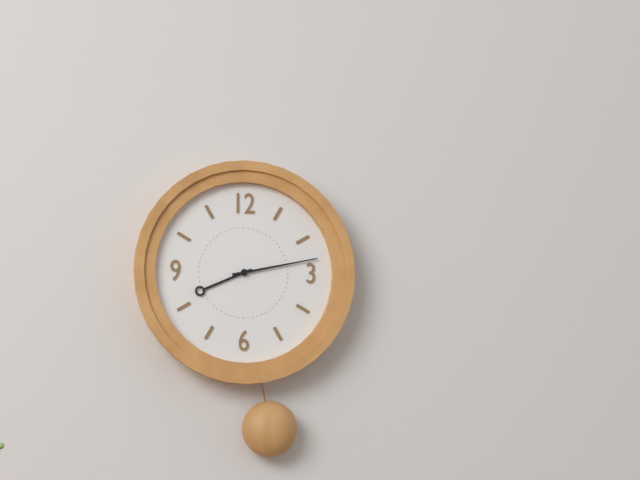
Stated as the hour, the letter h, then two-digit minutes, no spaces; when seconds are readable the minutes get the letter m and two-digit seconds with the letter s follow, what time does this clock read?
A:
8h13
